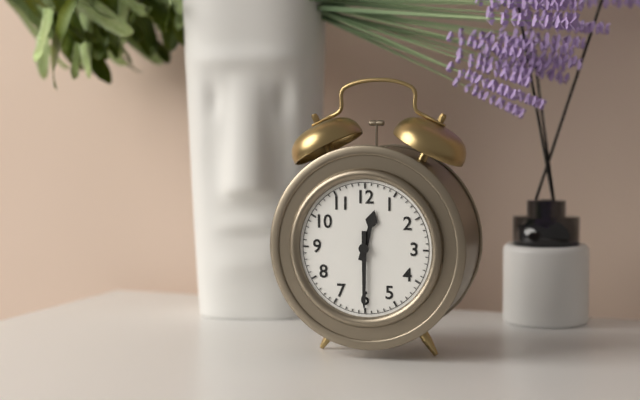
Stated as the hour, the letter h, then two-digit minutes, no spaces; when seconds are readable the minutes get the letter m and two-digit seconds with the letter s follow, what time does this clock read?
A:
12h30
